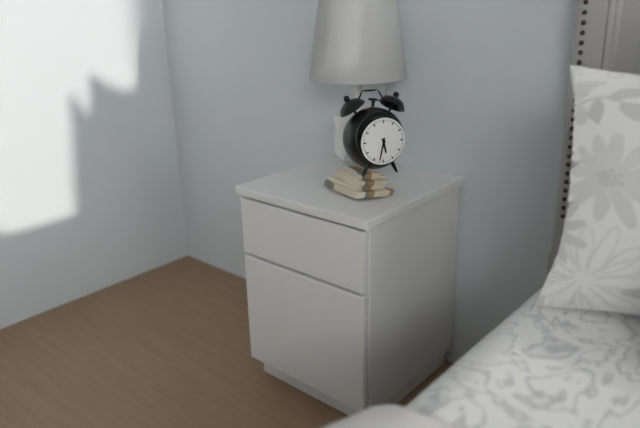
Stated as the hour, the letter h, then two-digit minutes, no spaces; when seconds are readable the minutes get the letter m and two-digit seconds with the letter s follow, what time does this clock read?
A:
5h32
